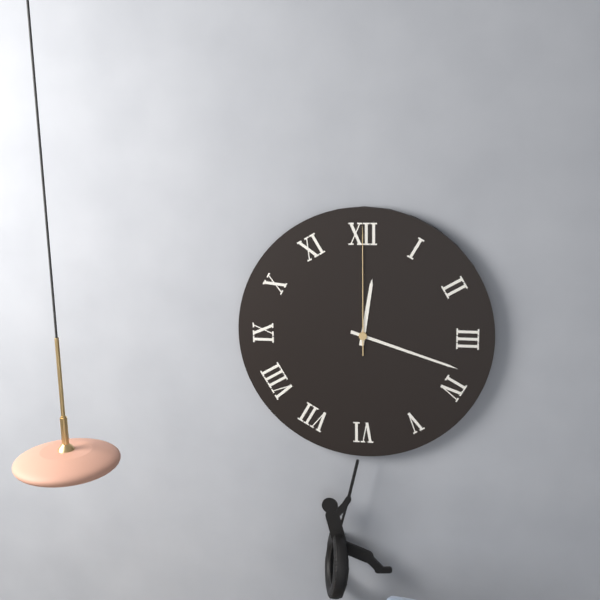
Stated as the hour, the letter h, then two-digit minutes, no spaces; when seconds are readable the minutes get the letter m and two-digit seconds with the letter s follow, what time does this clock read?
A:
12h18m00s
